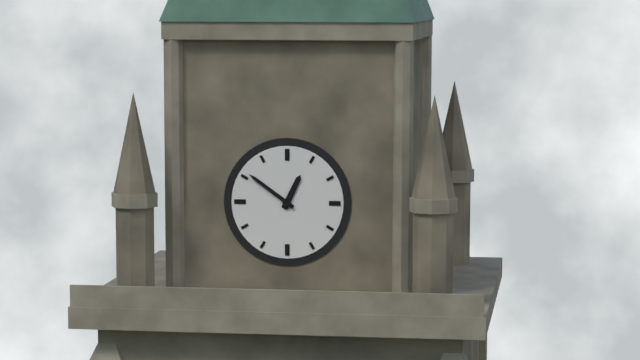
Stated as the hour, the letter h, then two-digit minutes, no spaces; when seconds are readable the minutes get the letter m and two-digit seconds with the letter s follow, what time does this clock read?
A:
12h51
